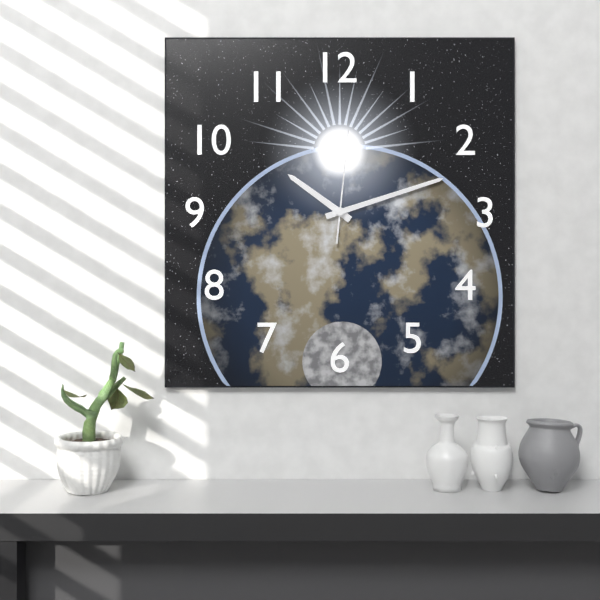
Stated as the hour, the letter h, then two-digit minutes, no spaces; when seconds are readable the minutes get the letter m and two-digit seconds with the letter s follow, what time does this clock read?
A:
10h12m01s
